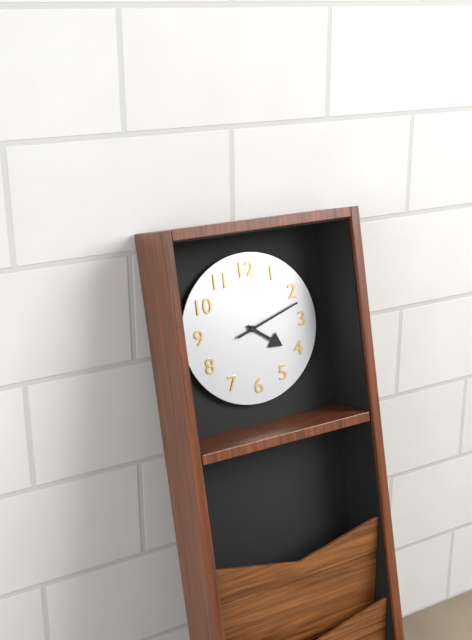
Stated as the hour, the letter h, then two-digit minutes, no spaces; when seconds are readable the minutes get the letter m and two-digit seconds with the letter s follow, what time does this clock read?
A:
4h12
